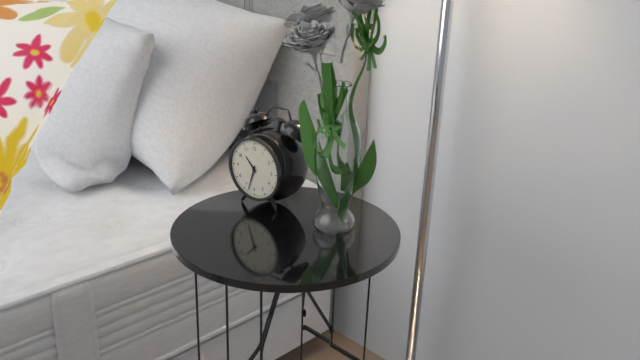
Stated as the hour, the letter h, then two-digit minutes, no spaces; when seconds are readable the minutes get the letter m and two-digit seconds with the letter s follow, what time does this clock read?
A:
10h33
